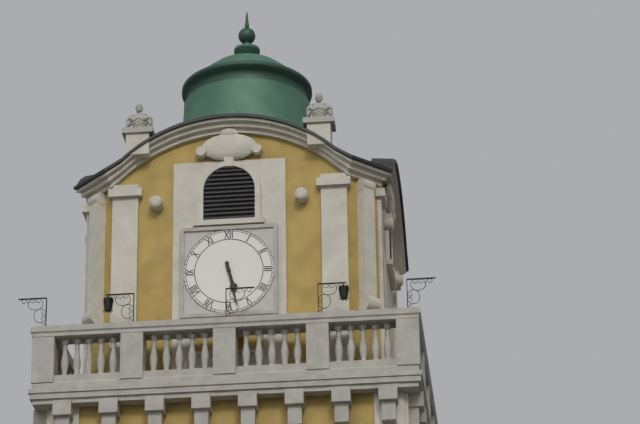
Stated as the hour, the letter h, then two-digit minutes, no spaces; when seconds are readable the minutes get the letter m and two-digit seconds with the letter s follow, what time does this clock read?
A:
5h28
